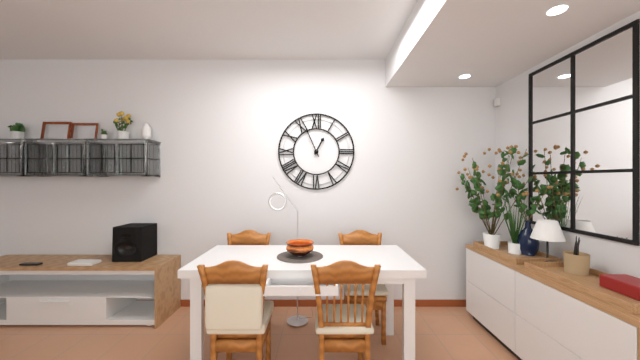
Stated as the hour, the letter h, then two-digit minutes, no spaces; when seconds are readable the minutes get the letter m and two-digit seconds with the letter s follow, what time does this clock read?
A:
12h56
